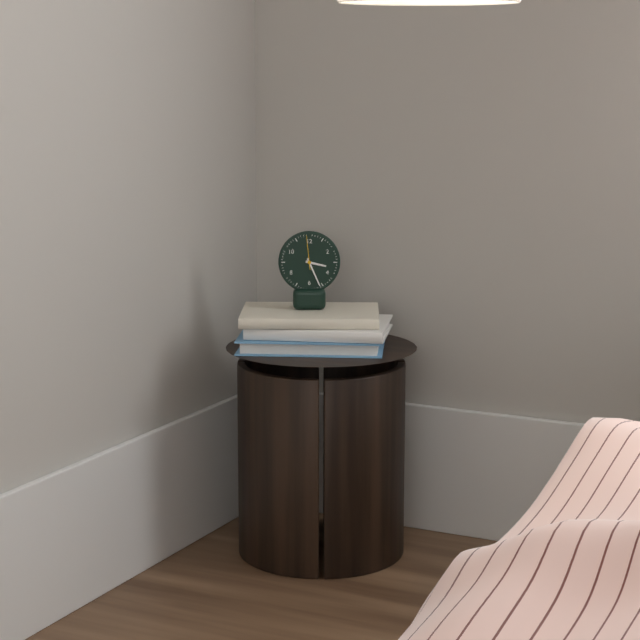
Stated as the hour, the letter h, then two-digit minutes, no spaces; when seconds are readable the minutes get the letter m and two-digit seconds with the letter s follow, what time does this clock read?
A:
3h26
